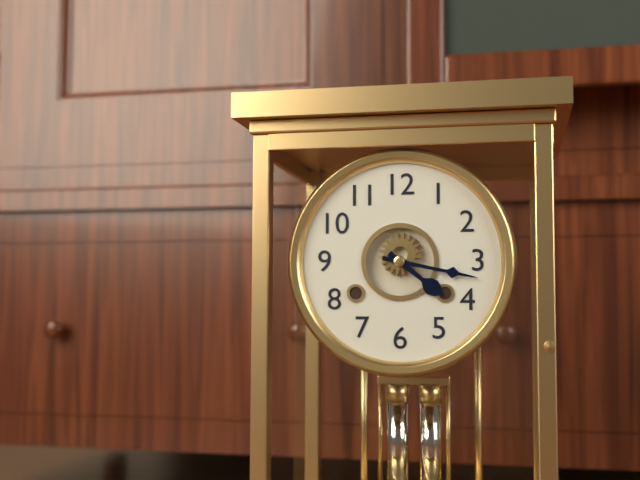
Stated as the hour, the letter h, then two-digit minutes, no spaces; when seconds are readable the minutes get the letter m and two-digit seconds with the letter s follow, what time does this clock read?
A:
4h17
